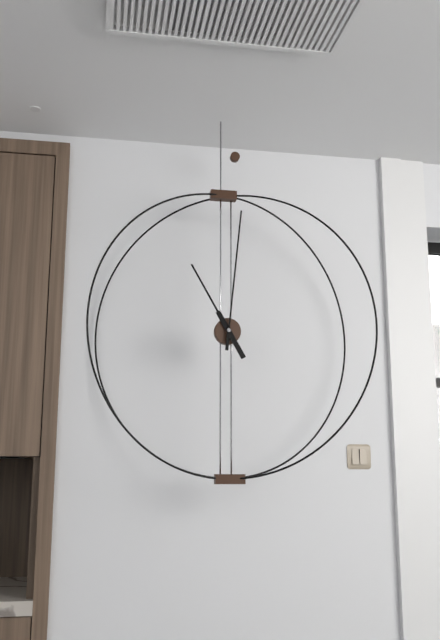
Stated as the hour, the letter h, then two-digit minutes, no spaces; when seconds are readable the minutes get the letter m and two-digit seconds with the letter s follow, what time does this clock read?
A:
11h01
